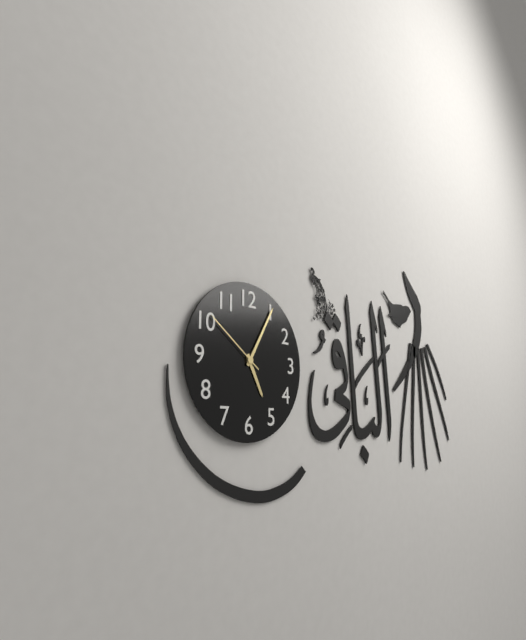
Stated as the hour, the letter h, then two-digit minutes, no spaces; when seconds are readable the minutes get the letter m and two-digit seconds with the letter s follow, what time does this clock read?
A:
5h05m51s
